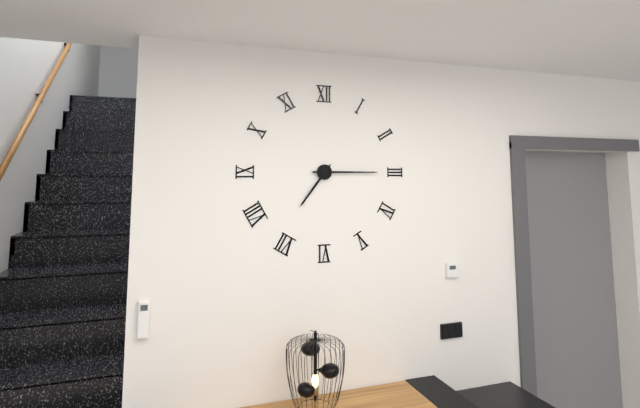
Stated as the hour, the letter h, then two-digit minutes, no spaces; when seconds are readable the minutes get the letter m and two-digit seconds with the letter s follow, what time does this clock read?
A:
7h15
